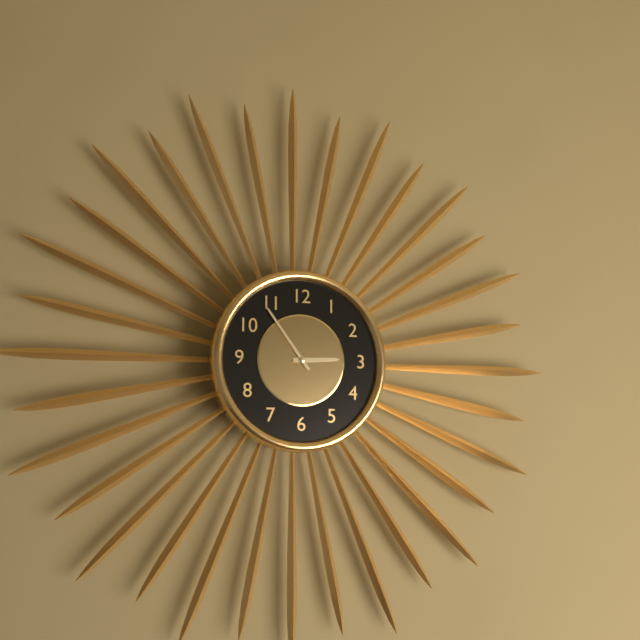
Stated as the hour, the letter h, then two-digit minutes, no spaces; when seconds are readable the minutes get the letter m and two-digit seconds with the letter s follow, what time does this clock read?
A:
2h54
